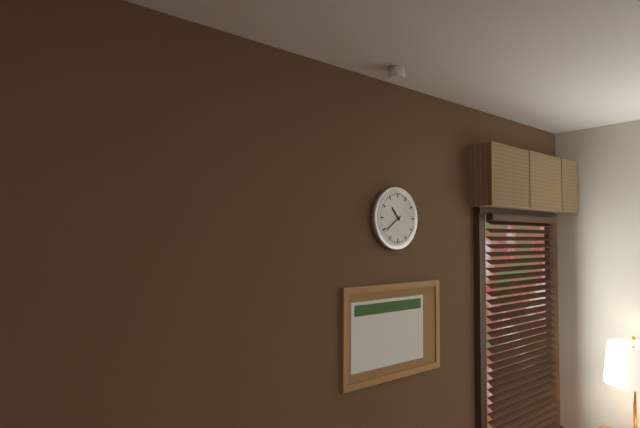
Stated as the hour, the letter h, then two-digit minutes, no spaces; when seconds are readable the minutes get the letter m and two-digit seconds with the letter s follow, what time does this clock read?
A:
10h39
